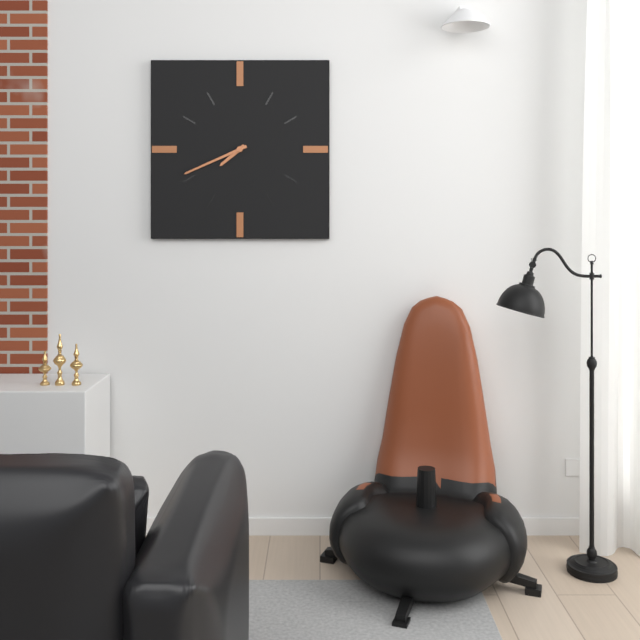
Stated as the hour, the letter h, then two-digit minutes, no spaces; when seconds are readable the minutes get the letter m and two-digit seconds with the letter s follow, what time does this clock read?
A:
7h41
